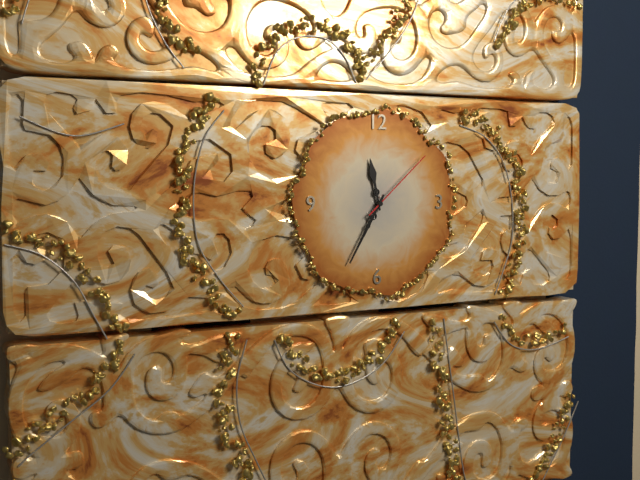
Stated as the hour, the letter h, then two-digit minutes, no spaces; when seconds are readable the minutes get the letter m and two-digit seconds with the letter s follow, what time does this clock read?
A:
11h35m08s
